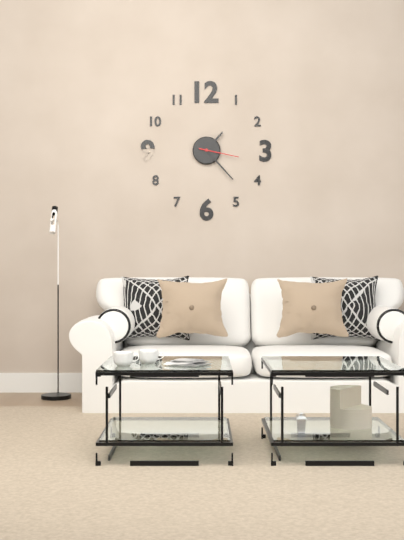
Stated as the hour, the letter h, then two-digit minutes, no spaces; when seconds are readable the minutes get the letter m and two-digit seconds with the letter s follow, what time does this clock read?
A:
1h23
